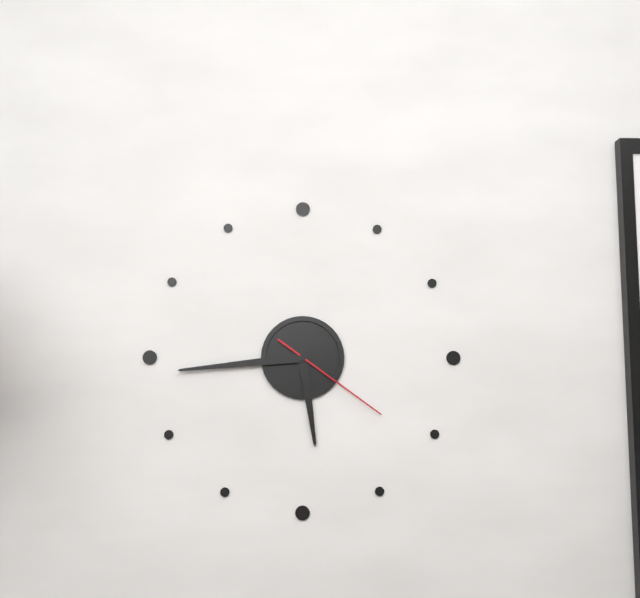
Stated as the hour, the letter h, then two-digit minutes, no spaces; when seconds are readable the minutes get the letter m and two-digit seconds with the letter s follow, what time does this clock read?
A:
5h44m21s
